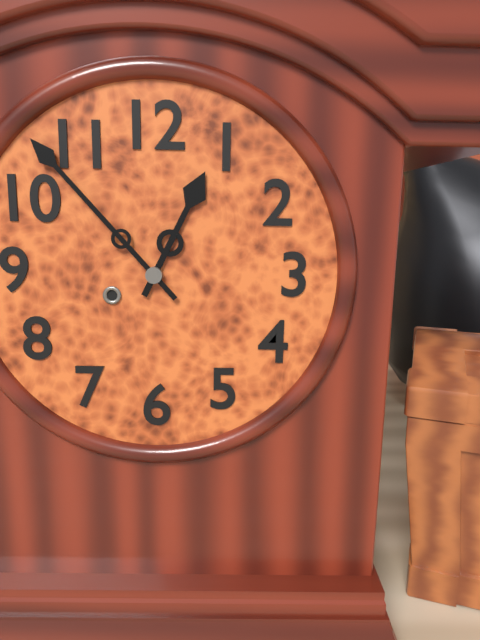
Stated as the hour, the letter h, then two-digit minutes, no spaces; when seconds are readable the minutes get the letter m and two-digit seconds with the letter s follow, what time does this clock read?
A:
12h53
